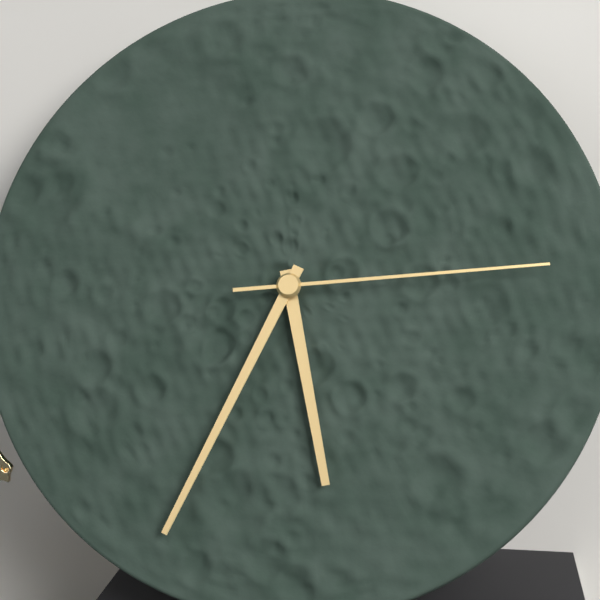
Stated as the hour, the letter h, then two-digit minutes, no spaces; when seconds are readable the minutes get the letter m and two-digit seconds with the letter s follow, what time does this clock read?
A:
5h34m14s
